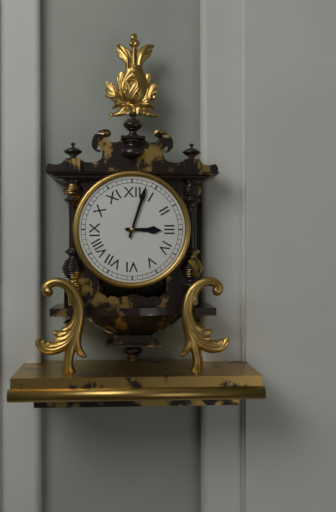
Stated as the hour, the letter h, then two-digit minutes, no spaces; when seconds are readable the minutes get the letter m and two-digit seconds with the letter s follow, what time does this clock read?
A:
3h03
